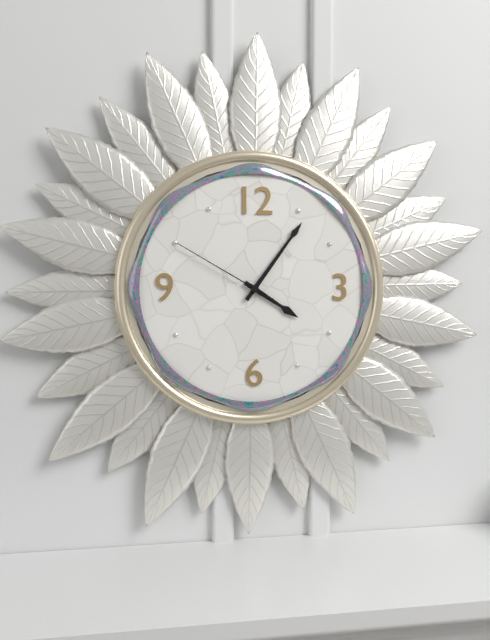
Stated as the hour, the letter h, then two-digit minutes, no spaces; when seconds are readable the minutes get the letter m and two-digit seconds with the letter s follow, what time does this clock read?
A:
4h06m50s
